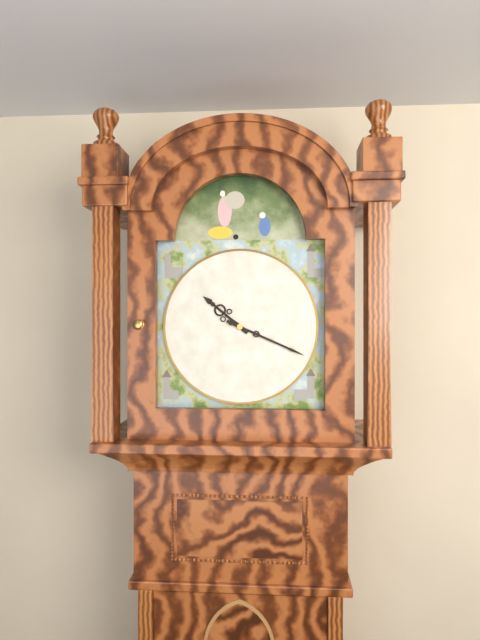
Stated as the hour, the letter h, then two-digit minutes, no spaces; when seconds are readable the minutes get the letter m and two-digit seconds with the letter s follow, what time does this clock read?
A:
10h19
